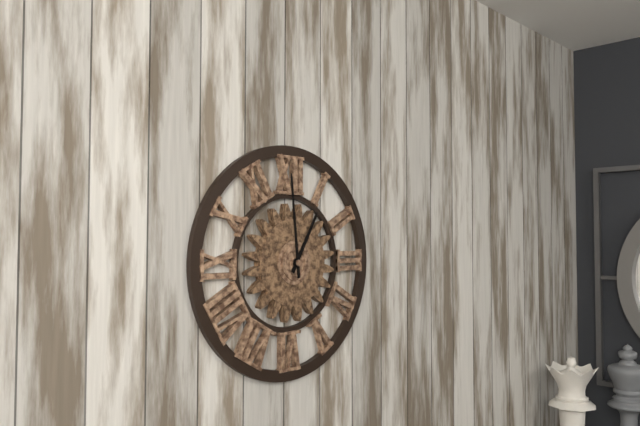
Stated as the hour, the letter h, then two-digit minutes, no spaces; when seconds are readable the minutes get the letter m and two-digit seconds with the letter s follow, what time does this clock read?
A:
12h59
